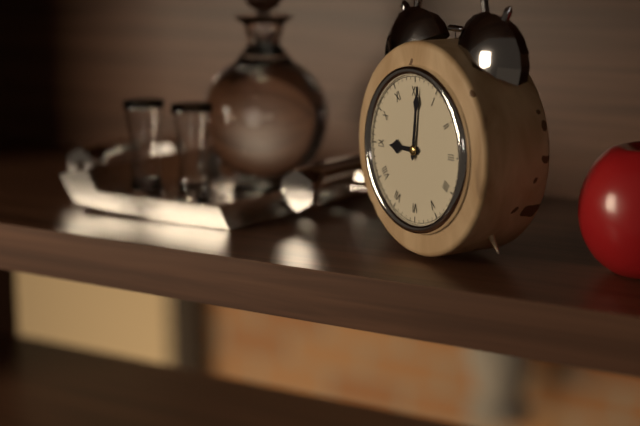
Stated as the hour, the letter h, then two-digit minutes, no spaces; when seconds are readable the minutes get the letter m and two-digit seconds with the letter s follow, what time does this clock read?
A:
9h01
